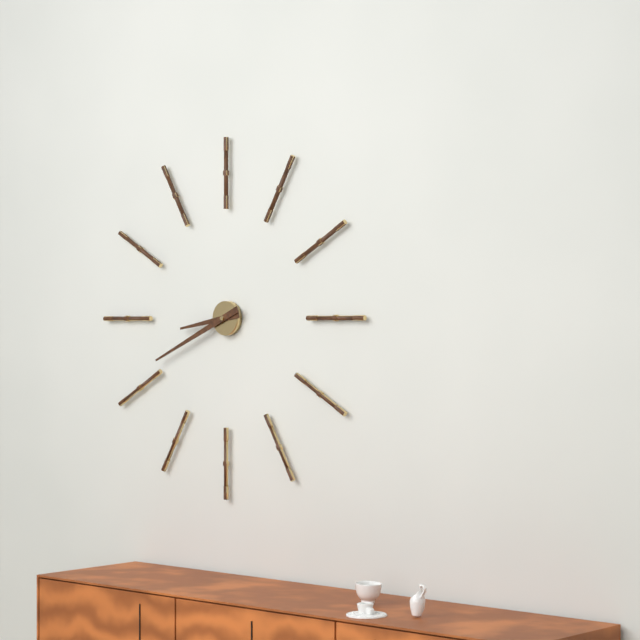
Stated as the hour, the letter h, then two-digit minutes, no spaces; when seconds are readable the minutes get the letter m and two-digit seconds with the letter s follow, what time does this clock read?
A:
8h41
